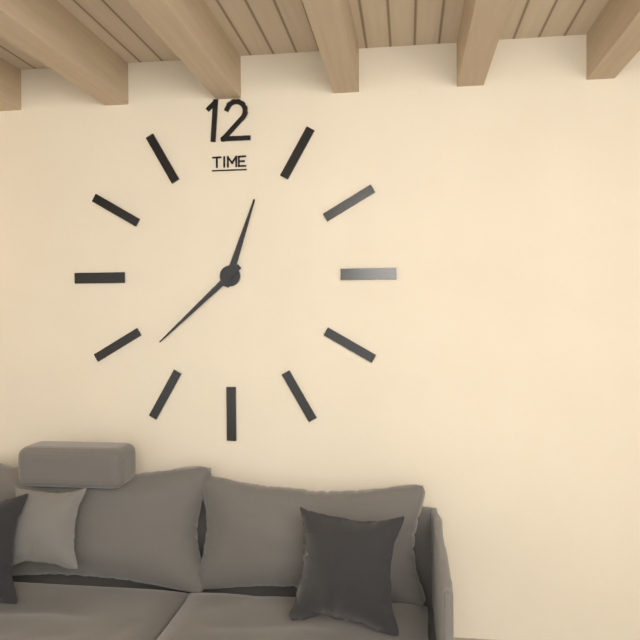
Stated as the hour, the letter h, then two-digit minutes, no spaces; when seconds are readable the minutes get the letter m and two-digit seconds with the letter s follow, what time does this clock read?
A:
12h38
